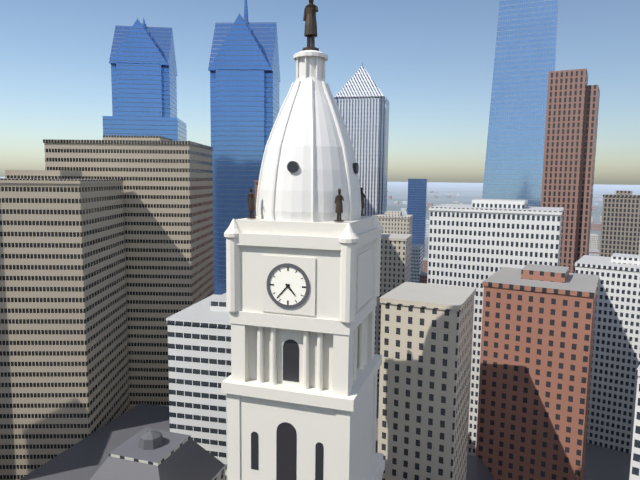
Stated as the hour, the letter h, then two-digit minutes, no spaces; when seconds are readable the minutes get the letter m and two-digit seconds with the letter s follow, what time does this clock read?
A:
4h37
